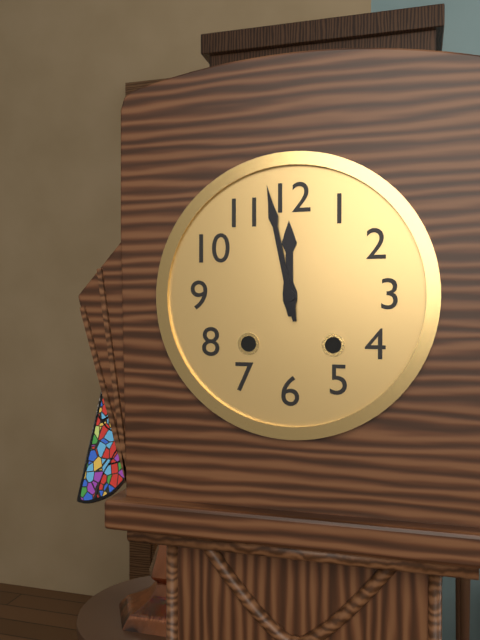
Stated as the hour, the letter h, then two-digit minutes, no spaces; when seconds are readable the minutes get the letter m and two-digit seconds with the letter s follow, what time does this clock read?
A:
11h58
